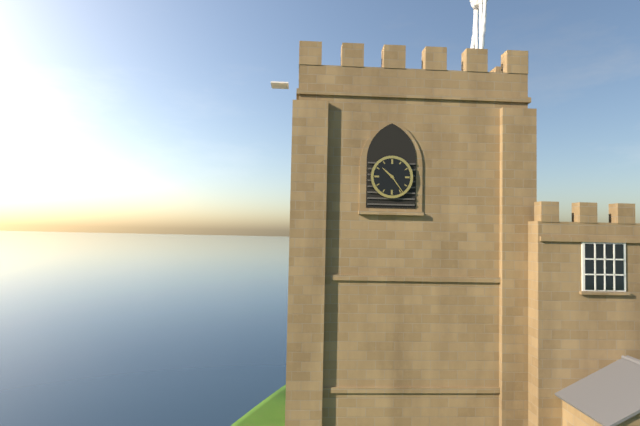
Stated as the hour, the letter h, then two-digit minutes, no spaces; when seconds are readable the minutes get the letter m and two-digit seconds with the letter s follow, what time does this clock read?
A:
10h24
